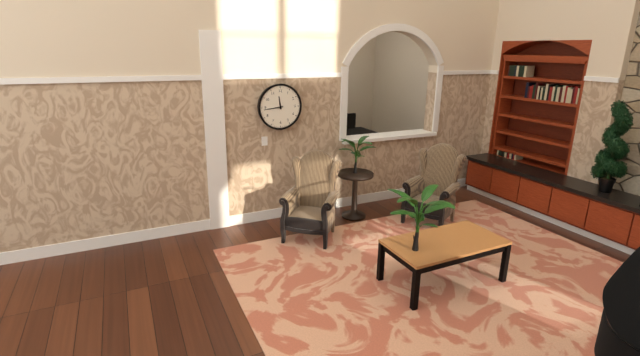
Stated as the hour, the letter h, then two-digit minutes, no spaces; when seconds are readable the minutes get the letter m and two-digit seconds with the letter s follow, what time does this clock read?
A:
11h44
